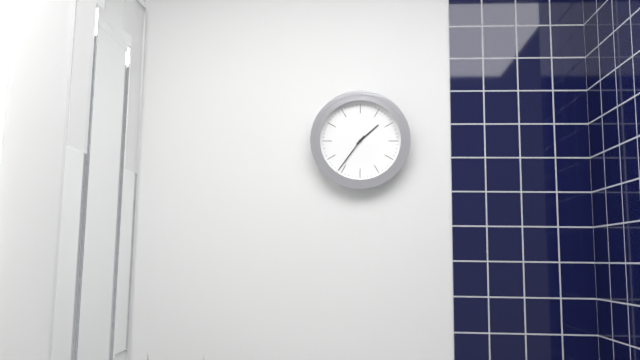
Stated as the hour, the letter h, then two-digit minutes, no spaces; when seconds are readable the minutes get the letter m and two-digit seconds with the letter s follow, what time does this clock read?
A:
1h36
